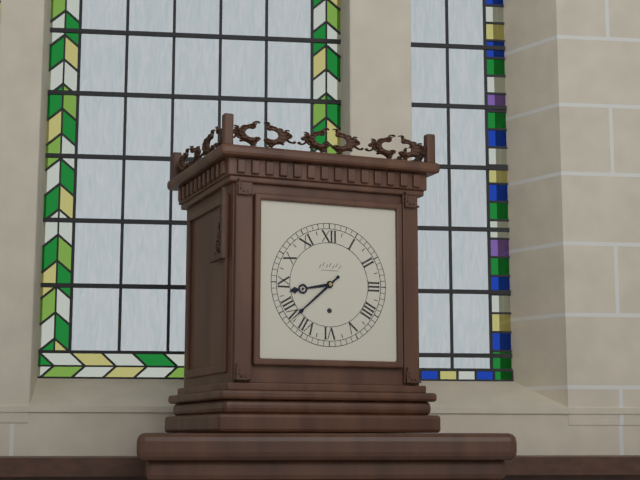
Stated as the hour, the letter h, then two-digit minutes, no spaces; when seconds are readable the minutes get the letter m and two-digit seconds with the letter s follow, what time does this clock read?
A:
8h38
